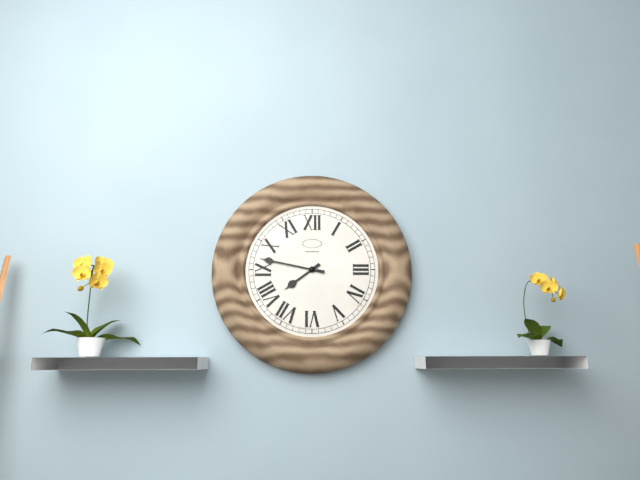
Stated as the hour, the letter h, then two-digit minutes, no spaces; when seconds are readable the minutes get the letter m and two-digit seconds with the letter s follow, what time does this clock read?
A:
7h47
